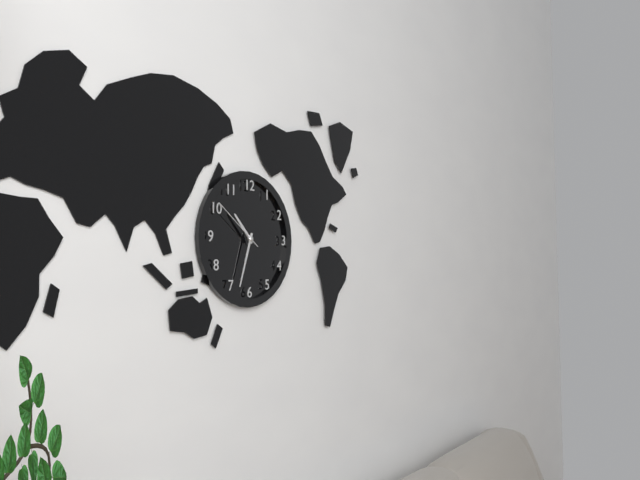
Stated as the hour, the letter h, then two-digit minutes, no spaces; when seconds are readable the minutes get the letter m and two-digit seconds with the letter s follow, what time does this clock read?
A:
10h33m51s
